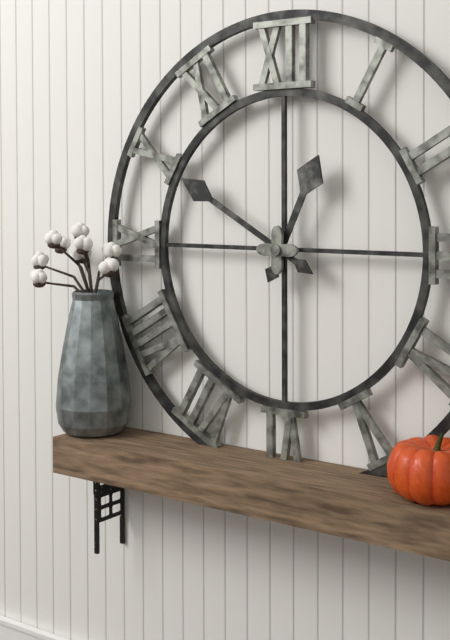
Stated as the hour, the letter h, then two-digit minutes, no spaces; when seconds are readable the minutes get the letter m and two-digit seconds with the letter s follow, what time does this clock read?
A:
12h50
